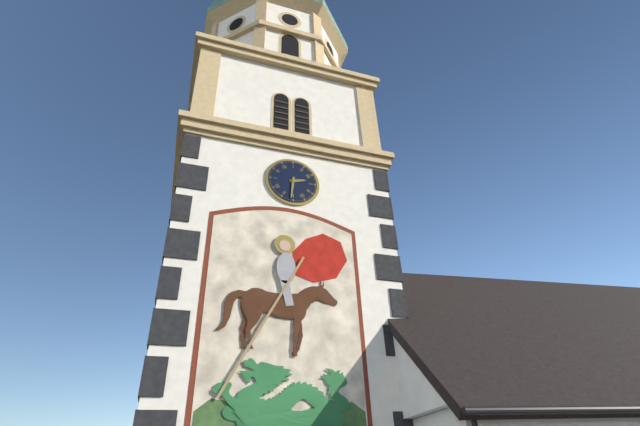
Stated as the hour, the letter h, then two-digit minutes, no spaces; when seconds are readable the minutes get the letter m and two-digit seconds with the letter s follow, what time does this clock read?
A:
2h31
